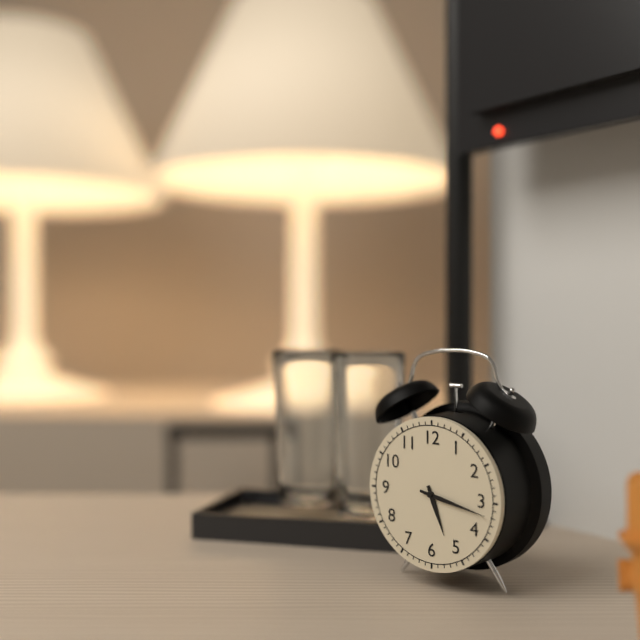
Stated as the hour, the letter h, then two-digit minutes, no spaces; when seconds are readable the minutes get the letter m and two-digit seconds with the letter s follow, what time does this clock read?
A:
5h17
